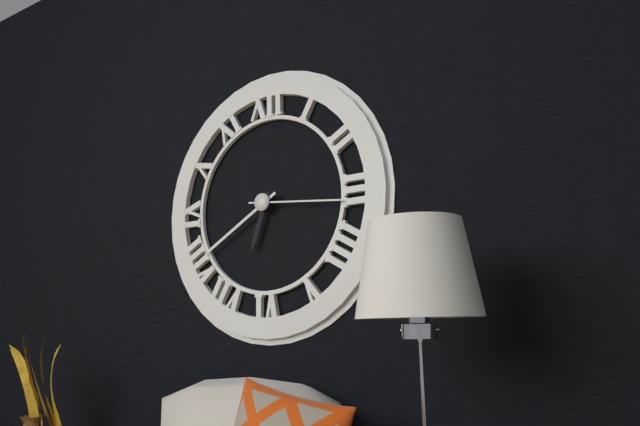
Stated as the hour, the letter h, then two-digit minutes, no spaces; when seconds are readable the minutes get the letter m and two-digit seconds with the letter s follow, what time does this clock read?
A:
6h40m16s
